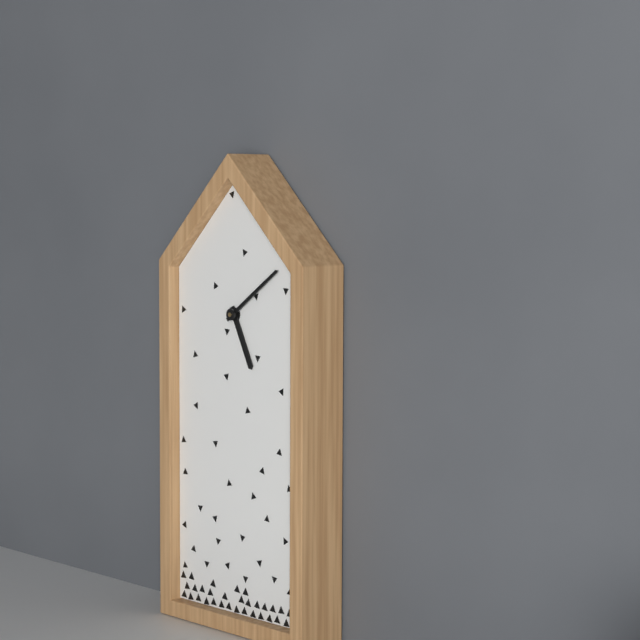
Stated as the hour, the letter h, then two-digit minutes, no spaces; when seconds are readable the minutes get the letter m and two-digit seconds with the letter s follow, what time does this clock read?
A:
5h09
